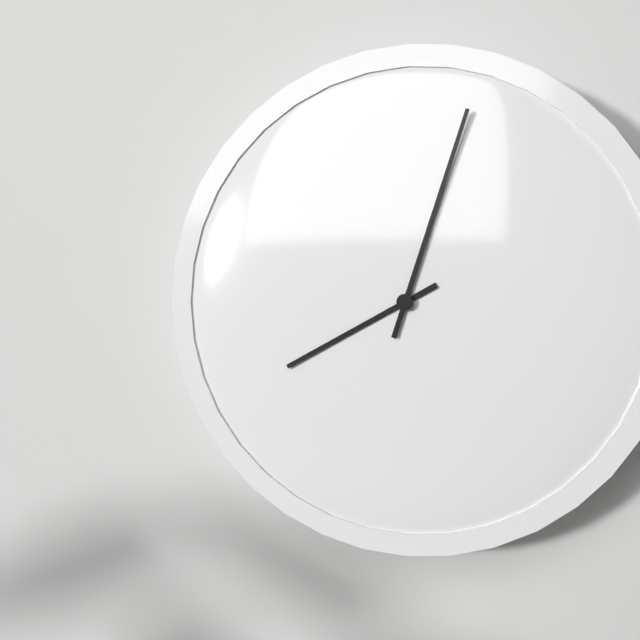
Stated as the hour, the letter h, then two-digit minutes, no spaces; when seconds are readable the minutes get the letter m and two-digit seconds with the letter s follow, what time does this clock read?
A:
8h03
